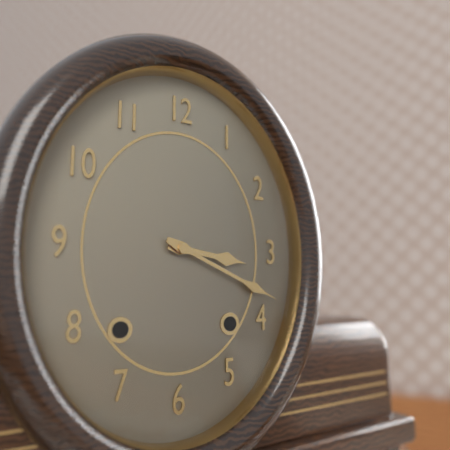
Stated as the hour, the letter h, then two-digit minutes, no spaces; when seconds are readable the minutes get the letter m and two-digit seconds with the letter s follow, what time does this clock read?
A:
3h19
